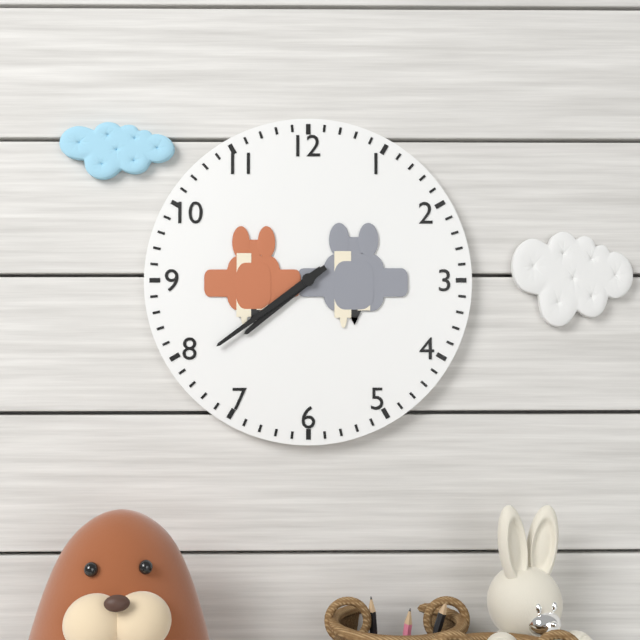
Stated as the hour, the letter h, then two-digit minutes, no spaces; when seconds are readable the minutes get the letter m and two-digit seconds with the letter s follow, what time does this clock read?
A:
7h39
